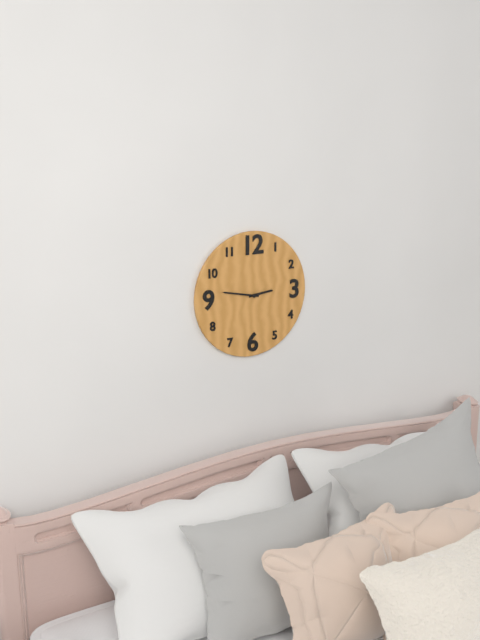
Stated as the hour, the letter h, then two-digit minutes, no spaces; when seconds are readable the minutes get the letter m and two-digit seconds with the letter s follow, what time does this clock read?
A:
2h47
